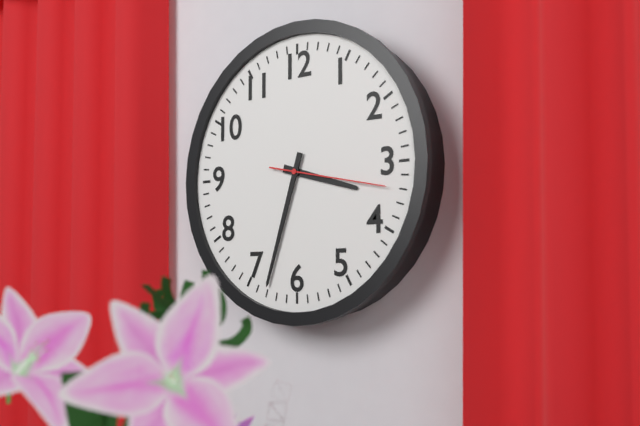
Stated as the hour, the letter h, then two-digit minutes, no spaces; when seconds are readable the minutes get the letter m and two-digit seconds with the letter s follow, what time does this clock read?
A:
3h33m17s
